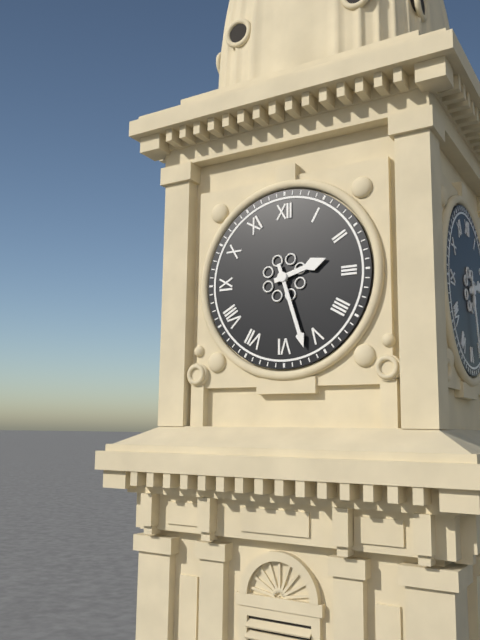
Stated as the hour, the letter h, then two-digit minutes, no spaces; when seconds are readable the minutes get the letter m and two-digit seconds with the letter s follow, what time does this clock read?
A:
2h27
